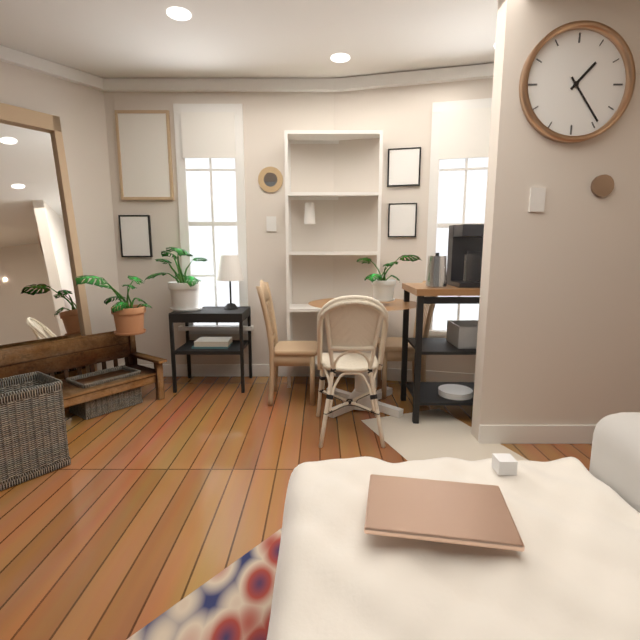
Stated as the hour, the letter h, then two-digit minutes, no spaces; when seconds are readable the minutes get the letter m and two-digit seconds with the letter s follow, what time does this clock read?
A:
1h24
